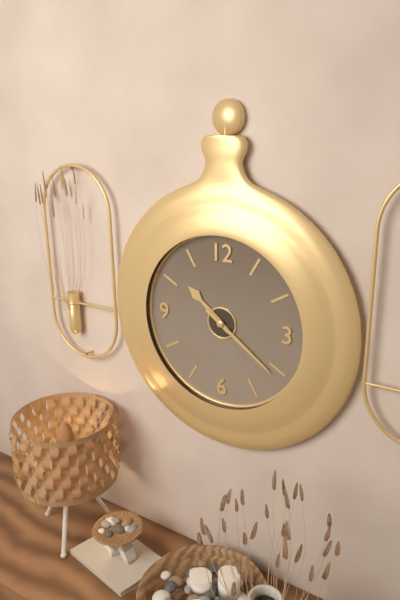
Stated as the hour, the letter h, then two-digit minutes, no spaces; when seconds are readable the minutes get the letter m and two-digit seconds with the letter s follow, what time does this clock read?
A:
10h21
